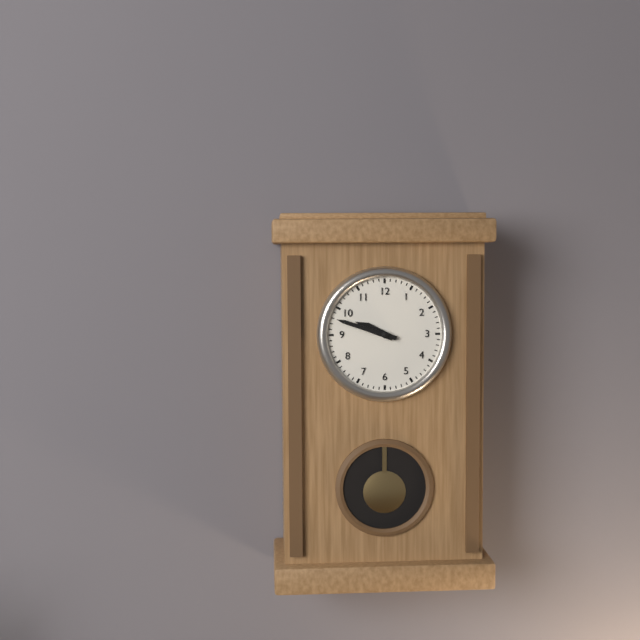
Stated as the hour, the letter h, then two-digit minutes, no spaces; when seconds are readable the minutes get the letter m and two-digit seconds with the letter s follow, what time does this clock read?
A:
9h48
